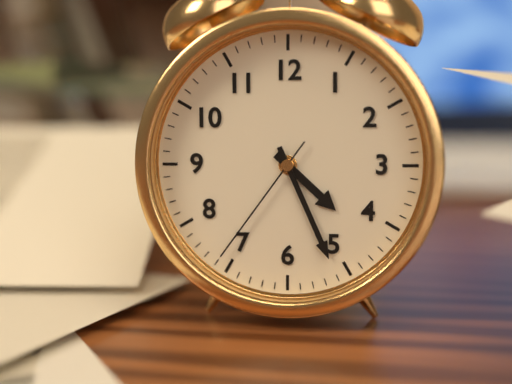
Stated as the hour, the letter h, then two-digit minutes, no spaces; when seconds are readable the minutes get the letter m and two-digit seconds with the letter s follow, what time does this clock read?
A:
4h26m36s
